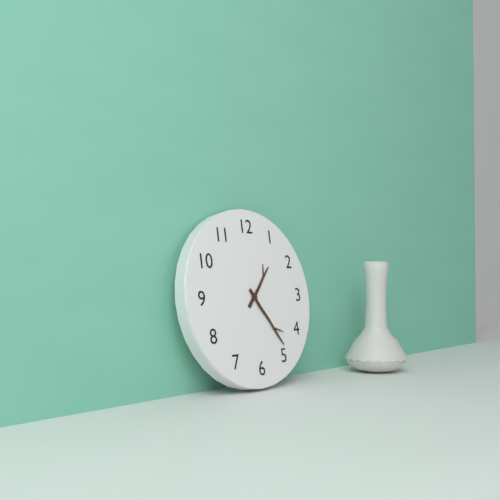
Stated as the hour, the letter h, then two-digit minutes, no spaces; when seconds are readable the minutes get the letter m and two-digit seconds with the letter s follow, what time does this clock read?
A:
1h24
